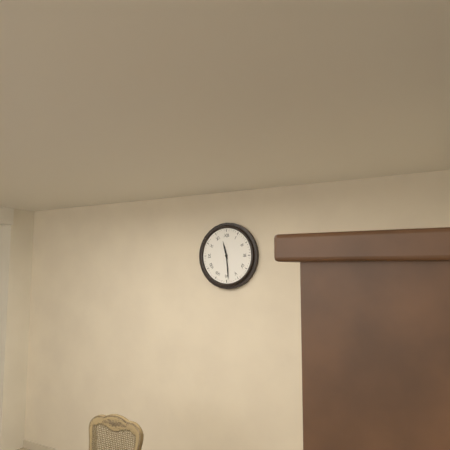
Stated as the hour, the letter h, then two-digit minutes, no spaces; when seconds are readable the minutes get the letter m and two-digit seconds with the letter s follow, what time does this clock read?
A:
11h29
